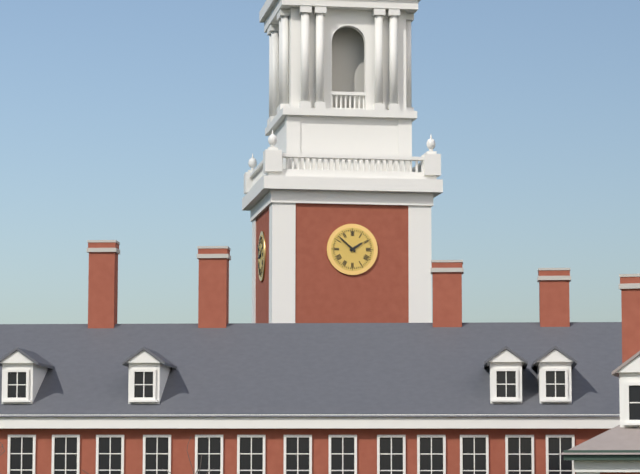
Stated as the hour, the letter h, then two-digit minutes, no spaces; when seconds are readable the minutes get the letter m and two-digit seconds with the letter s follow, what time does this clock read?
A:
1h52
